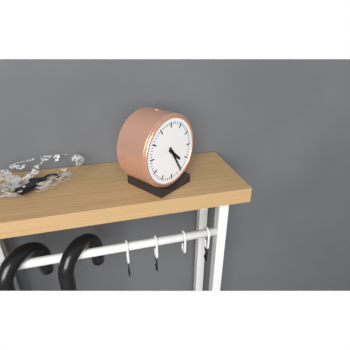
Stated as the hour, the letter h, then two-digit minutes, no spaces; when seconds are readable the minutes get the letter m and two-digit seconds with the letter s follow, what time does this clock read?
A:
4h25
